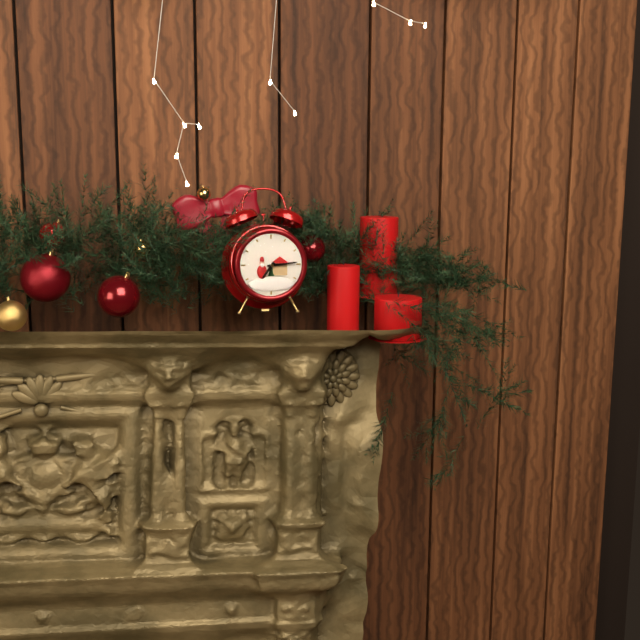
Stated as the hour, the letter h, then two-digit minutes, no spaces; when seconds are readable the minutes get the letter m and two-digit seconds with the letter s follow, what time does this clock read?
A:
7h14
